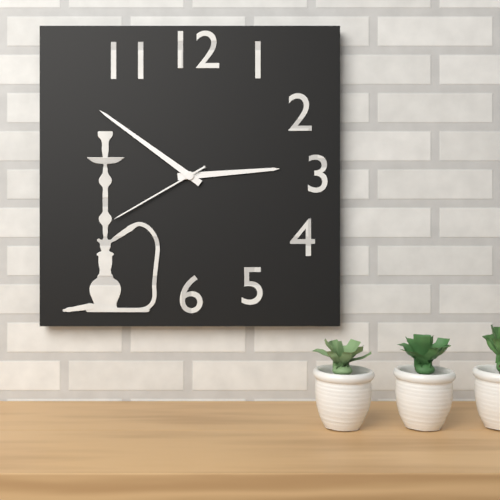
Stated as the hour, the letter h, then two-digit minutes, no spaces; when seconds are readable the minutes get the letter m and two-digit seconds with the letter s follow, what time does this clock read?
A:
2h51m40s
